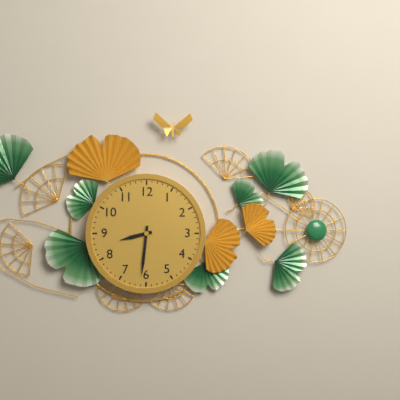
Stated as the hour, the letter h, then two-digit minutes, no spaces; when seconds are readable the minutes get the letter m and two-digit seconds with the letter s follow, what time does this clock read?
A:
8h31
